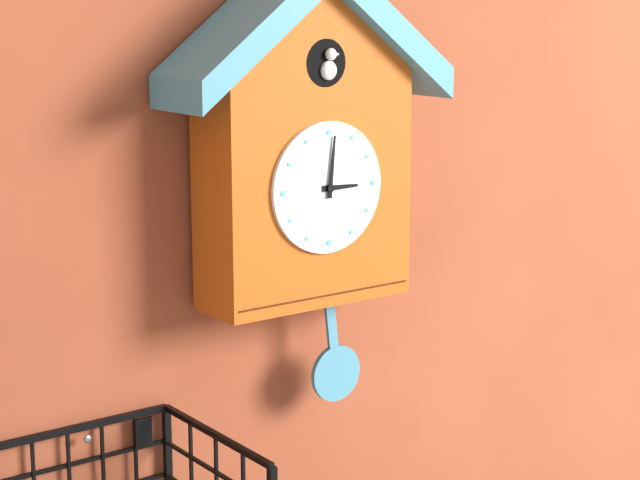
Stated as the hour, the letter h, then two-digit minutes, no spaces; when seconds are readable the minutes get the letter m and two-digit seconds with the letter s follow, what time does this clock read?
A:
3h01
